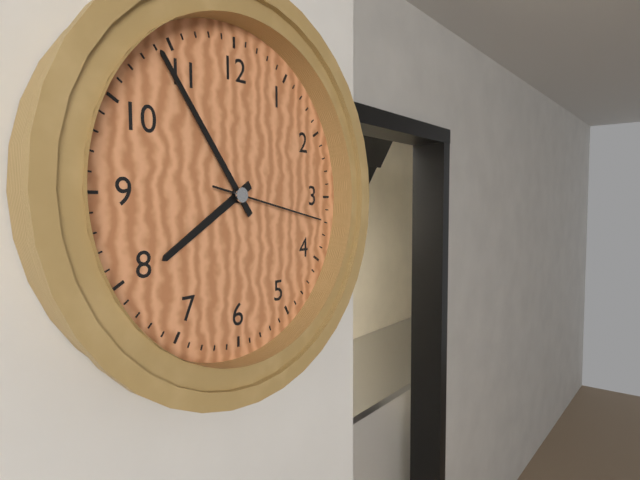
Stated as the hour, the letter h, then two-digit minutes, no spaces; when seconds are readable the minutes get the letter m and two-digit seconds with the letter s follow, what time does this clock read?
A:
7h54m17s
